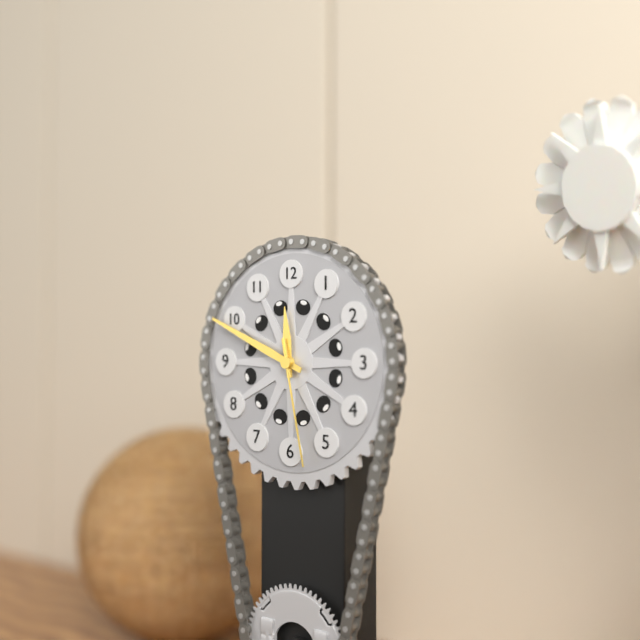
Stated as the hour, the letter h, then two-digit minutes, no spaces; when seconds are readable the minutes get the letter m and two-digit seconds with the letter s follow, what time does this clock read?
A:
11h49m28s
